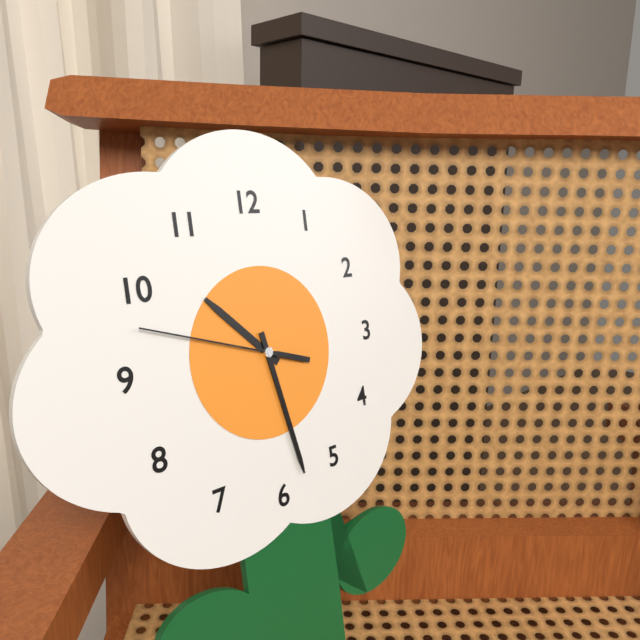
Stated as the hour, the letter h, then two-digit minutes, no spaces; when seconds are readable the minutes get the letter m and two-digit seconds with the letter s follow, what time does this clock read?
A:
10h28m48s
